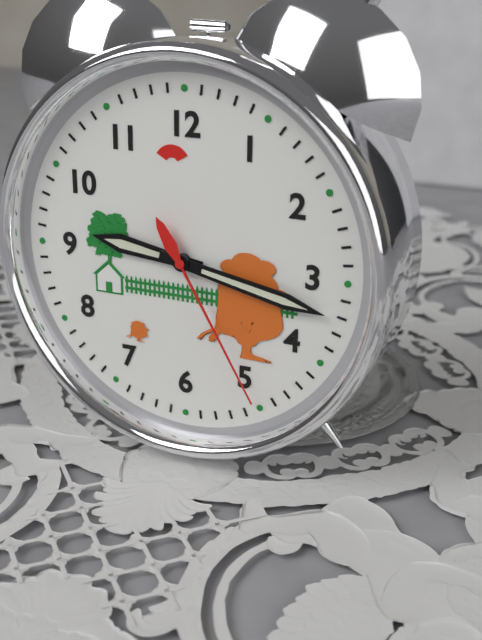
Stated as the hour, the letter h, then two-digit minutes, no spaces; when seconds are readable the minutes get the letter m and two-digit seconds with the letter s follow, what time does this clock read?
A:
9h17m25s
